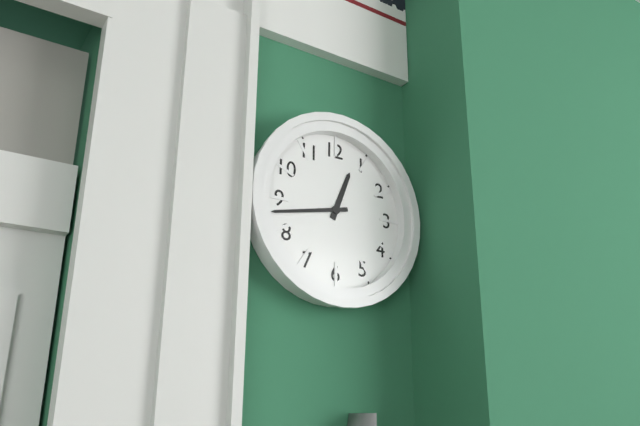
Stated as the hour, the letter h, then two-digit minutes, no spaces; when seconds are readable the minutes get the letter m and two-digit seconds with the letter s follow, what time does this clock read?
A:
12h43
